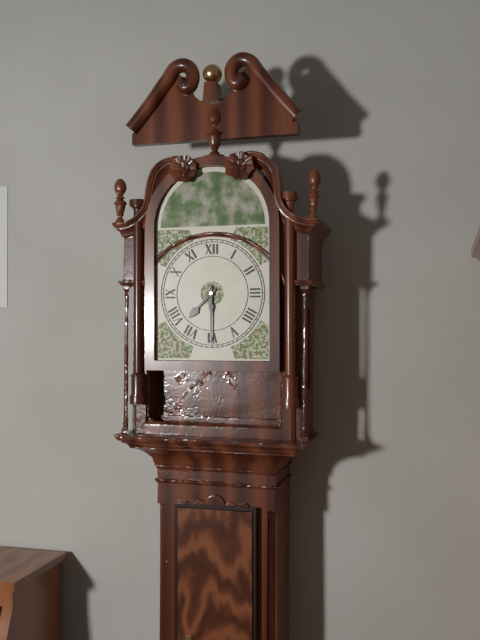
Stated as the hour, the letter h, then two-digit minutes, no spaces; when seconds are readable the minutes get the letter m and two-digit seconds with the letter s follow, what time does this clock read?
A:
7h30
